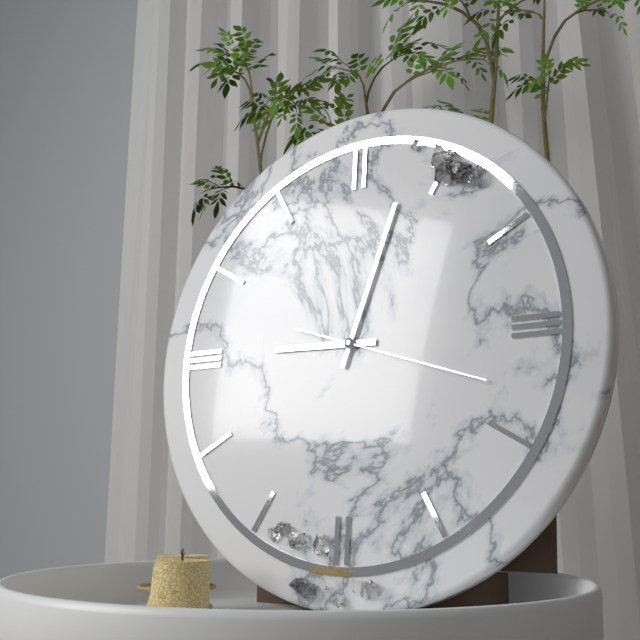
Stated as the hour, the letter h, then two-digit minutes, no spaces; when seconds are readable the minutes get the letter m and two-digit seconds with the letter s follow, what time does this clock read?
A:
9h03m18s
